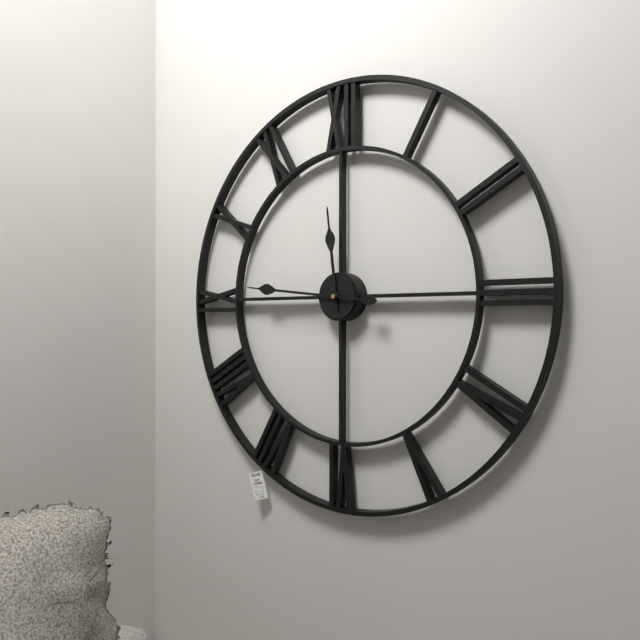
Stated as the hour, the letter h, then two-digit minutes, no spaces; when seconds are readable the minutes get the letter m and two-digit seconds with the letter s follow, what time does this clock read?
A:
11h46
